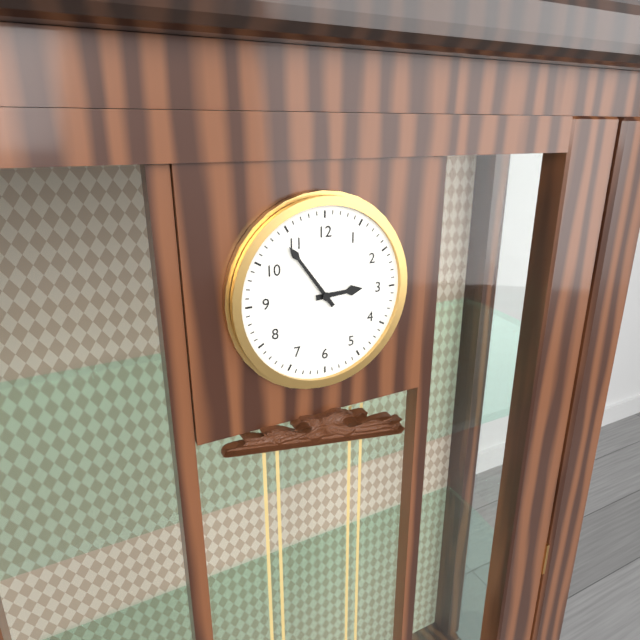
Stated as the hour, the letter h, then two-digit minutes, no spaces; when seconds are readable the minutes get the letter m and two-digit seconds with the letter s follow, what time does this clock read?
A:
2h54
